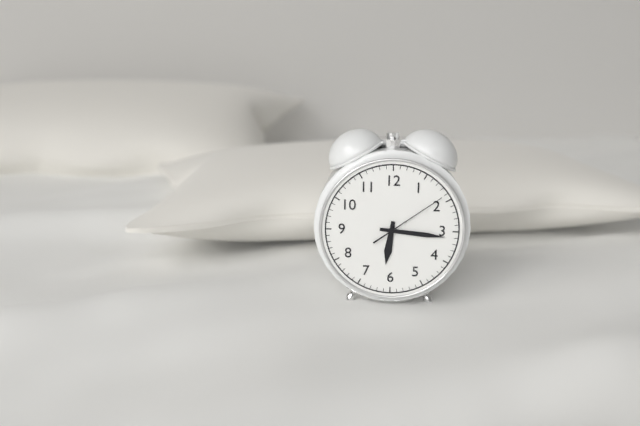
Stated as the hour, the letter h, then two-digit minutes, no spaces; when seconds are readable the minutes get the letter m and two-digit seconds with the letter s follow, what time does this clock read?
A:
6h16m09s
